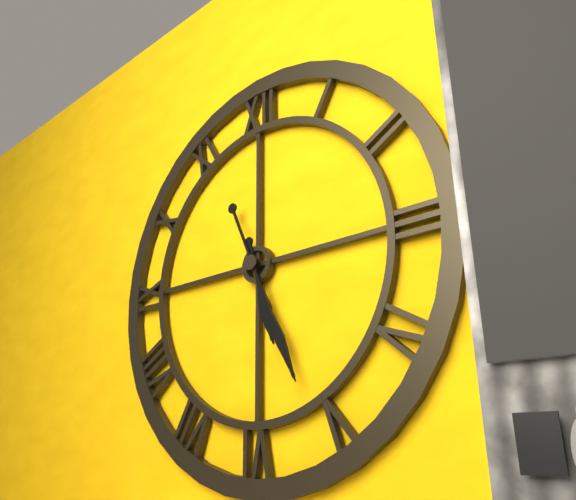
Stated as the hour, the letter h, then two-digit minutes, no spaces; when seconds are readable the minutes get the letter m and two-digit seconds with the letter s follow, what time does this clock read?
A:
5h26
